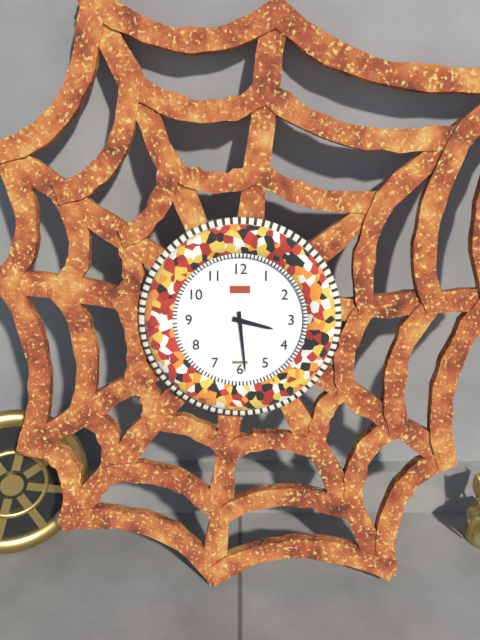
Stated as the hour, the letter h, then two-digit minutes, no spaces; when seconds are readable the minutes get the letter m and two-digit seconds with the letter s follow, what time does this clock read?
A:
3h29
